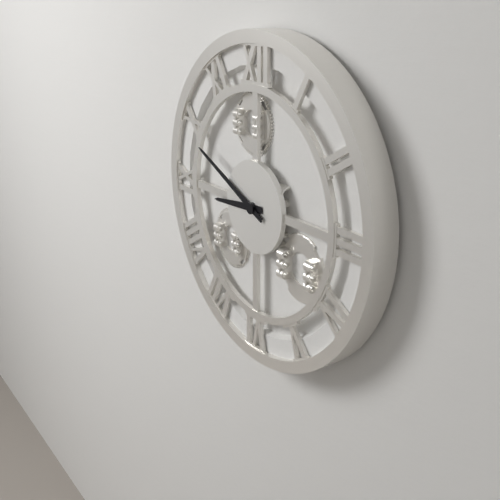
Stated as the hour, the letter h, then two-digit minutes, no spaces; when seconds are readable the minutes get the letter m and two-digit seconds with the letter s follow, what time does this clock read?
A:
8h49
